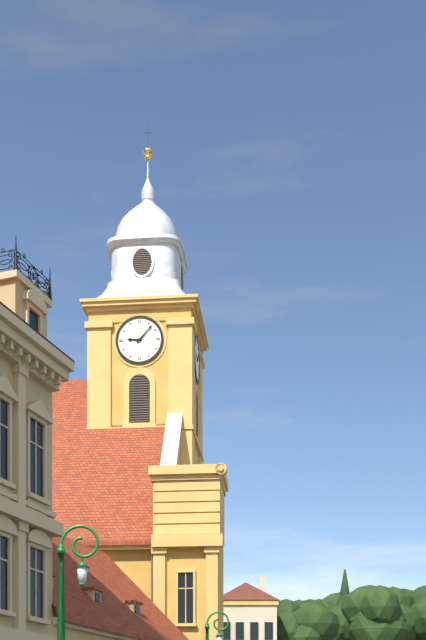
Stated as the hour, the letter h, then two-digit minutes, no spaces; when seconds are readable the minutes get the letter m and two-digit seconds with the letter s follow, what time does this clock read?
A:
9h07
